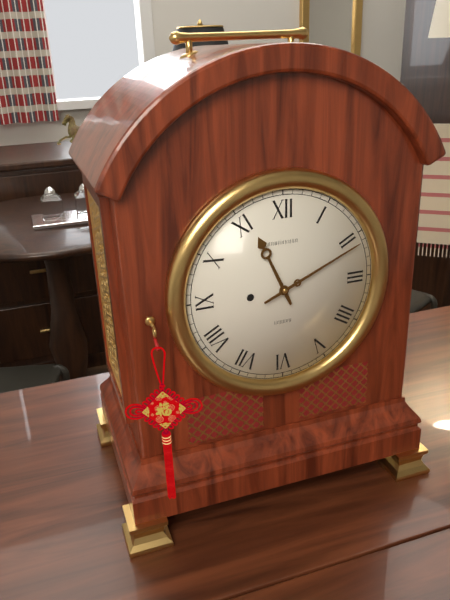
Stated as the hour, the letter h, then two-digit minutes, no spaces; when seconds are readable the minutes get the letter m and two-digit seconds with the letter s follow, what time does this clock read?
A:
11h11
